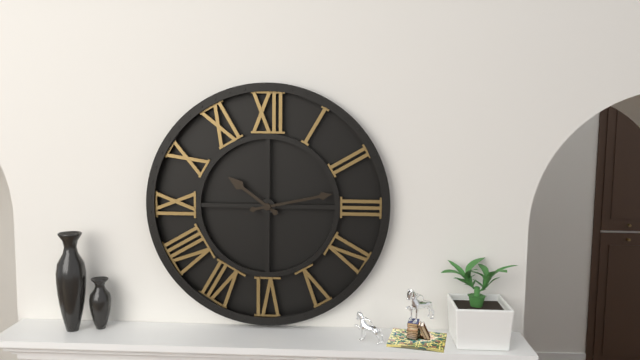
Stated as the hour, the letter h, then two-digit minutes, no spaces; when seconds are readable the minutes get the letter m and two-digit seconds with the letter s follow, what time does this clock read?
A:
10h13
